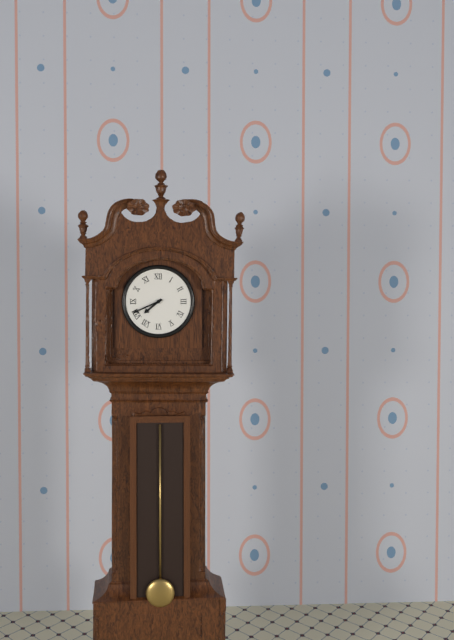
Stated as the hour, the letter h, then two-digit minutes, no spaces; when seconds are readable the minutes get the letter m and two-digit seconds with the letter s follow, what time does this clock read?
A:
7h41
